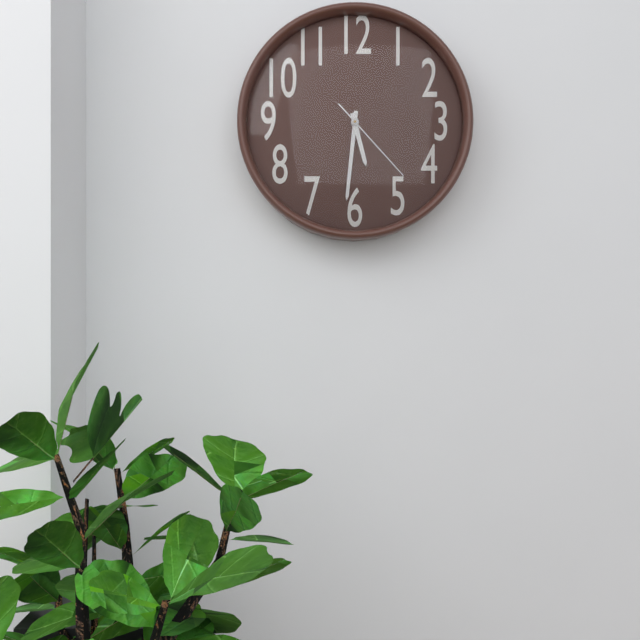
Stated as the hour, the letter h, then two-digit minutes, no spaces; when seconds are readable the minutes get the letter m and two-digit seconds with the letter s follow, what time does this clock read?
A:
5h31m23s
